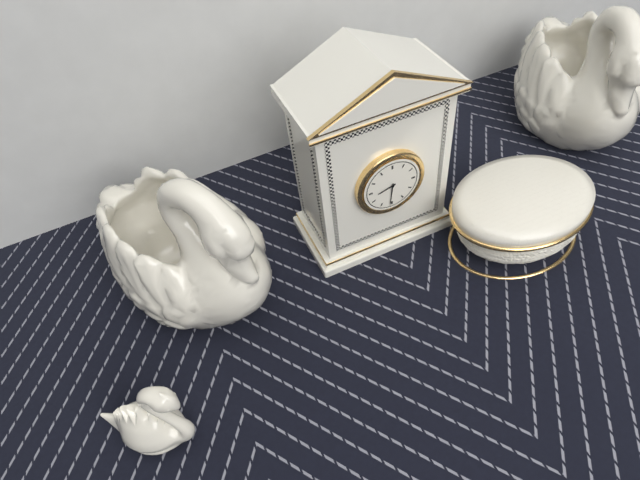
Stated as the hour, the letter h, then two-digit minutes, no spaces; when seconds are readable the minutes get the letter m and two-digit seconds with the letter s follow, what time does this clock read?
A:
8h31
